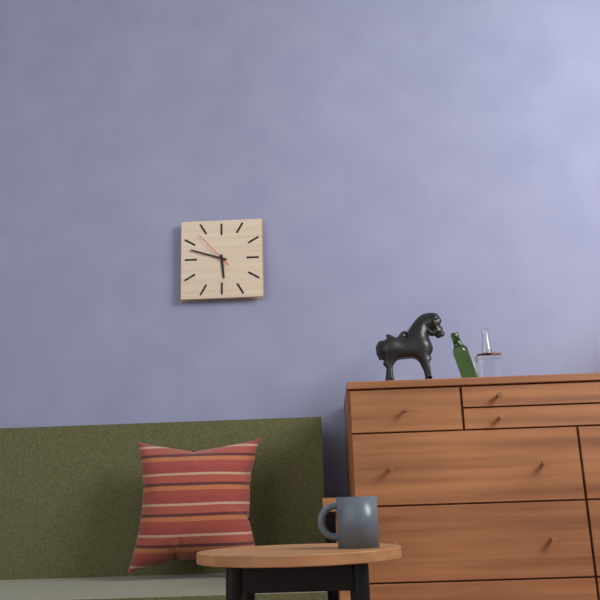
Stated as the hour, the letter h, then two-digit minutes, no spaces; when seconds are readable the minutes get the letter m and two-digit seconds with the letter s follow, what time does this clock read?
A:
5h48
